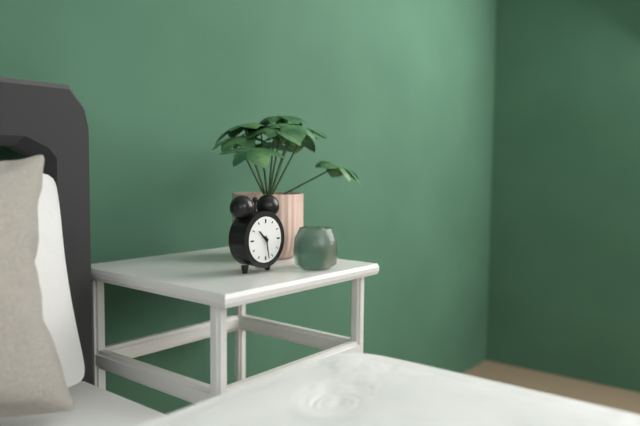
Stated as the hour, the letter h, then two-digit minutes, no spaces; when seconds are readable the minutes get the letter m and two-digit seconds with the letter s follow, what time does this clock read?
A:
10h28
